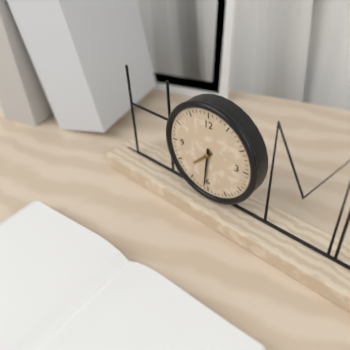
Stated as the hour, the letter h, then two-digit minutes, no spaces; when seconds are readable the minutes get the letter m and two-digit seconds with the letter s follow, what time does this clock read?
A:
7h31
